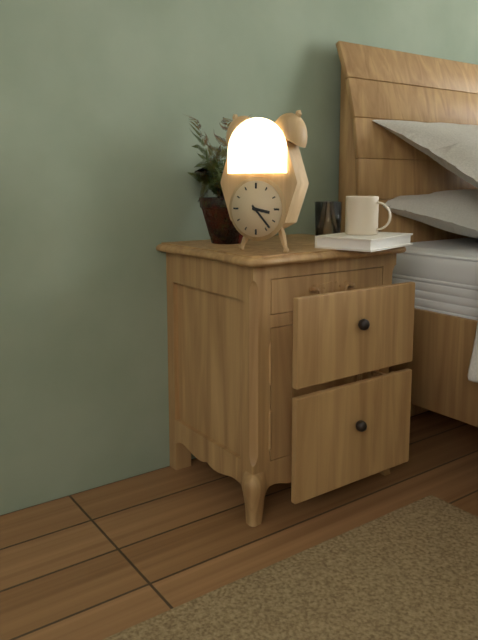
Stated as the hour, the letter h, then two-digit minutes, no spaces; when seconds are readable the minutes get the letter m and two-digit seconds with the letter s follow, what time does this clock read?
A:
3h23
